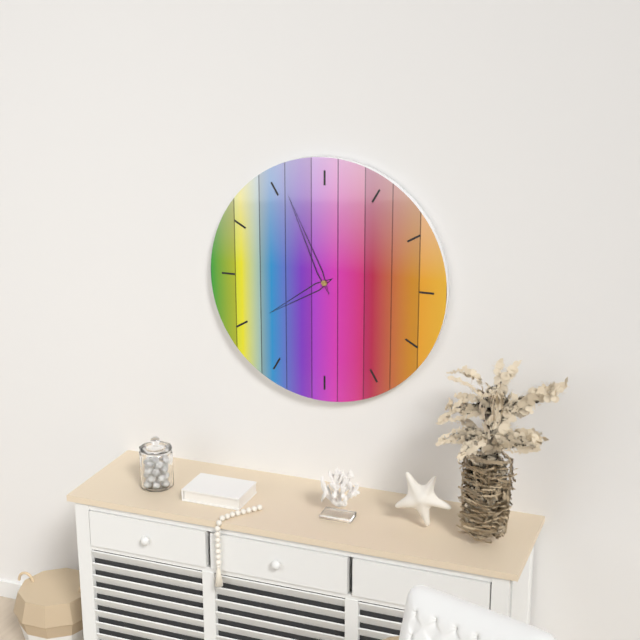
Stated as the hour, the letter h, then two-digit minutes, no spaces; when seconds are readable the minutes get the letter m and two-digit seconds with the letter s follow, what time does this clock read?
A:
7h56
